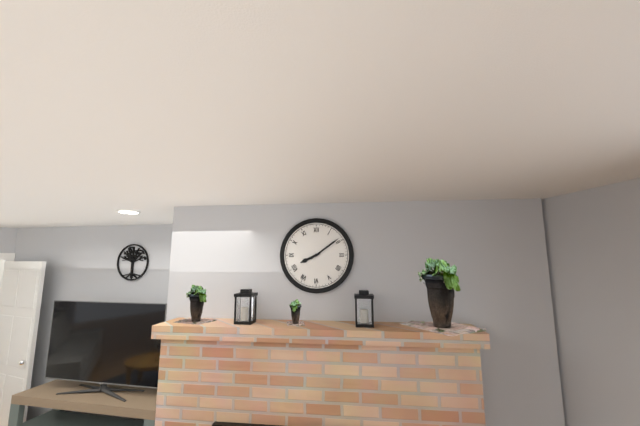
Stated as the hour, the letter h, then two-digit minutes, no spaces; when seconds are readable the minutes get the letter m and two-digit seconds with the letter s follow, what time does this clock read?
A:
8h09
